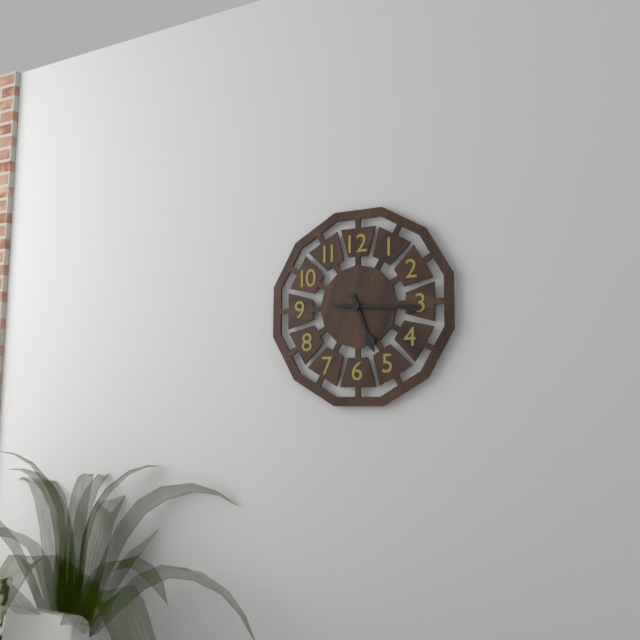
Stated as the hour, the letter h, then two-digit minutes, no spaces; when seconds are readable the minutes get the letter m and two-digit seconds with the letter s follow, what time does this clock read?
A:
5h16
